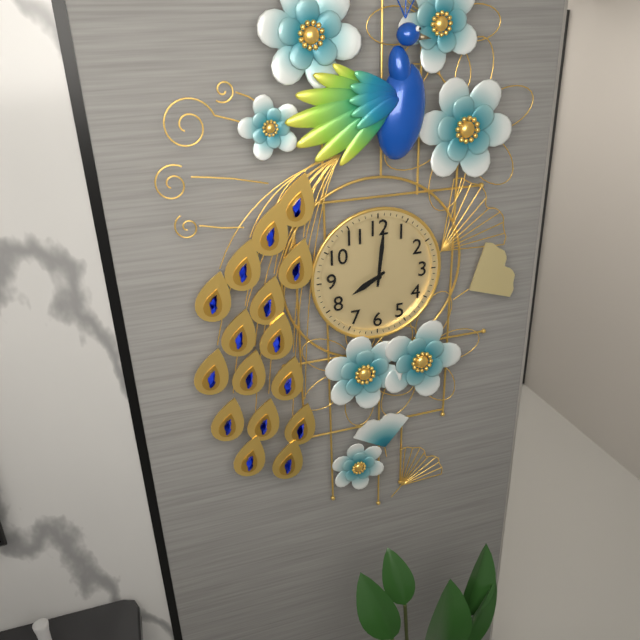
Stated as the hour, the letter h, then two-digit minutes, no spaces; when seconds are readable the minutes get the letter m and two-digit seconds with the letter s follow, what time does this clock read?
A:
8h01
